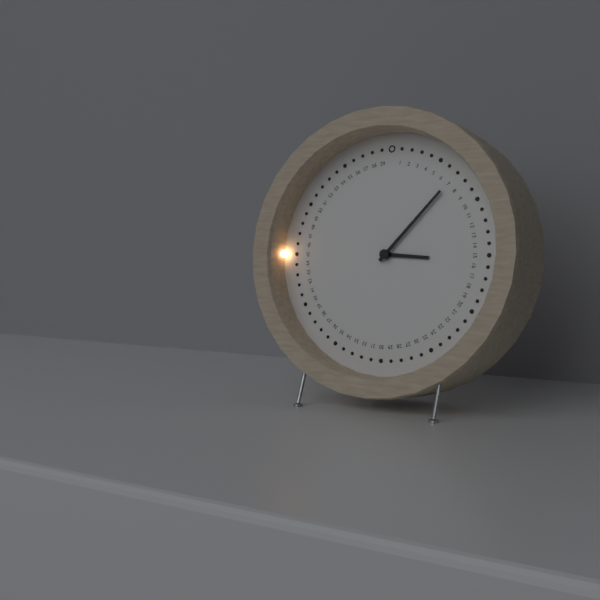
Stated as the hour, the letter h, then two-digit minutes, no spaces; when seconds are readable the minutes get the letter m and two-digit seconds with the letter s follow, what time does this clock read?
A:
3h07
